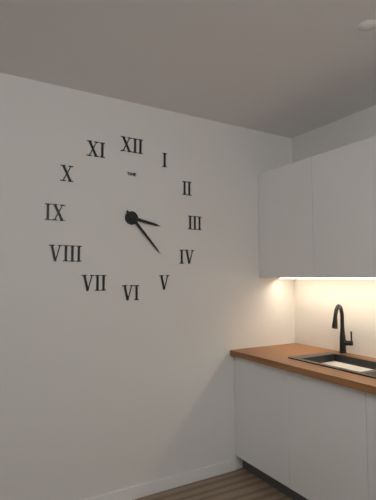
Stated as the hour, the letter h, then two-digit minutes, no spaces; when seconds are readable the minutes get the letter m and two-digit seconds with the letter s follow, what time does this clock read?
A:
3h23
